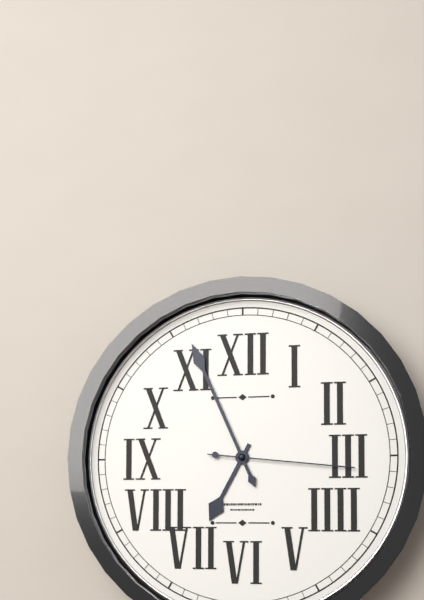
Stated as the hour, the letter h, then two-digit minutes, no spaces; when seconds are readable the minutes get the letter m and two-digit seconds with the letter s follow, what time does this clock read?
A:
6h56m16s
